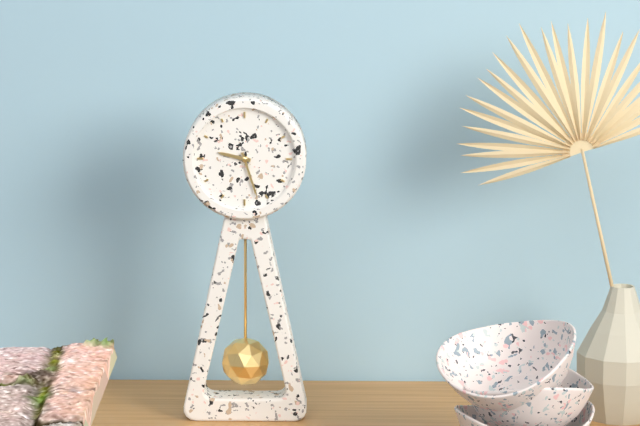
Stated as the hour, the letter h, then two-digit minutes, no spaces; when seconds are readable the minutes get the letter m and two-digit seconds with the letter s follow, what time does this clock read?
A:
9h27
